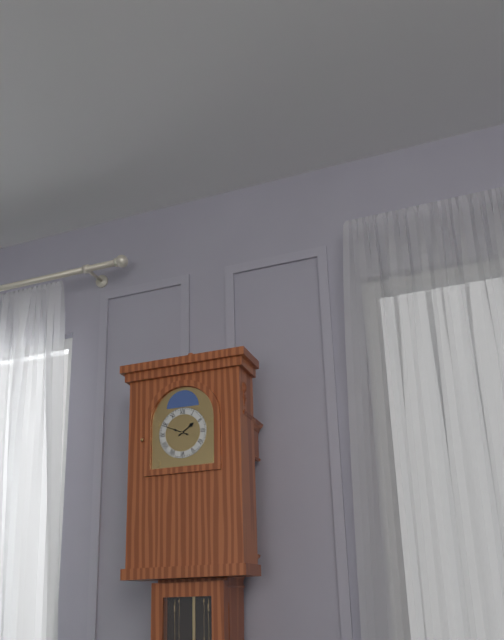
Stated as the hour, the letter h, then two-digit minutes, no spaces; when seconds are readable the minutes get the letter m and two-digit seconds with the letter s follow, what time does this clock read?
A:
1h49
